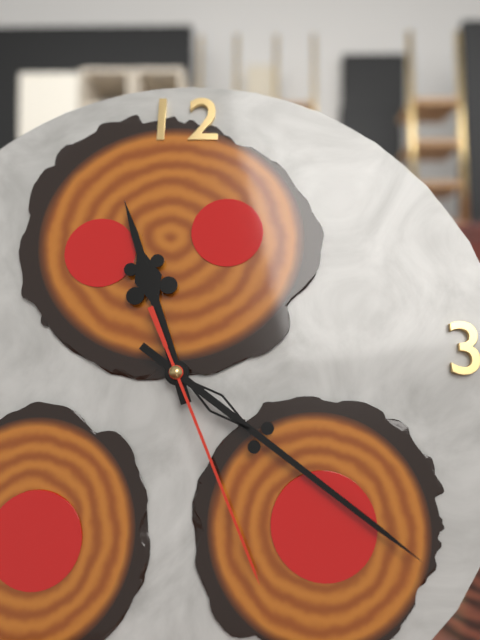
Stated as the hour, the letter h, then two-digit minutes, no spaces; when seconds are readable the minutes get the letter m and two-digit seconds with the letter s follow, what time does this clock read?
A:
11h21m26s
